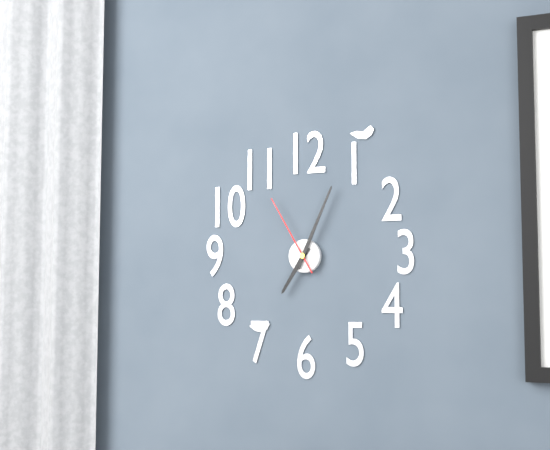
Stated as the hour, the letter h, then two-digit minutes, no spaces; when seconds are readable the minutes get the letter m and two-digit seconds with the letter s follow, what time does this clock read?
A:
7h04m55s
